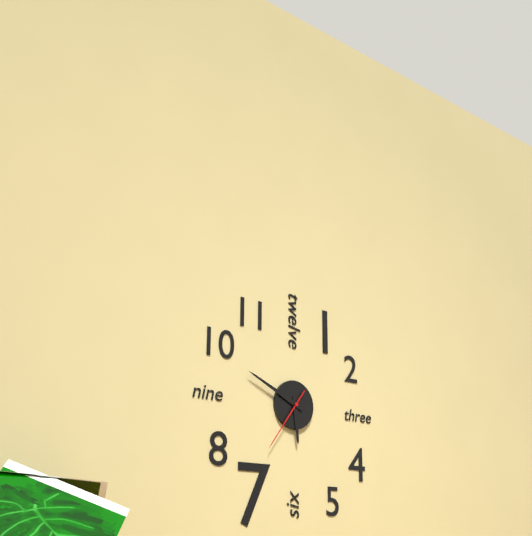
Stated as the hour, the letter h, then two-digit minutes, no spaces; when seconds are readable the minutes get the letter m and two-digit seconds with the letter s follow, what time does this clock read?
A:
5h49m36s
